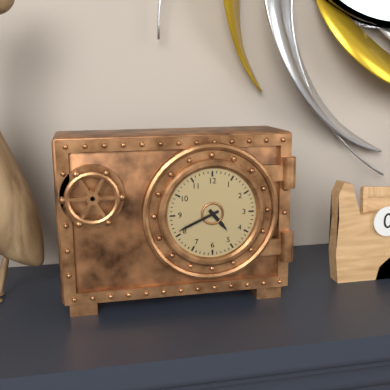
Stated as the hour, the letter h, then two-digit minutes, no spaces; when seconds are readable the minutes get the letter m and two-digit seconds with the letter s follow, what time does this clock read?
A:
4h41
